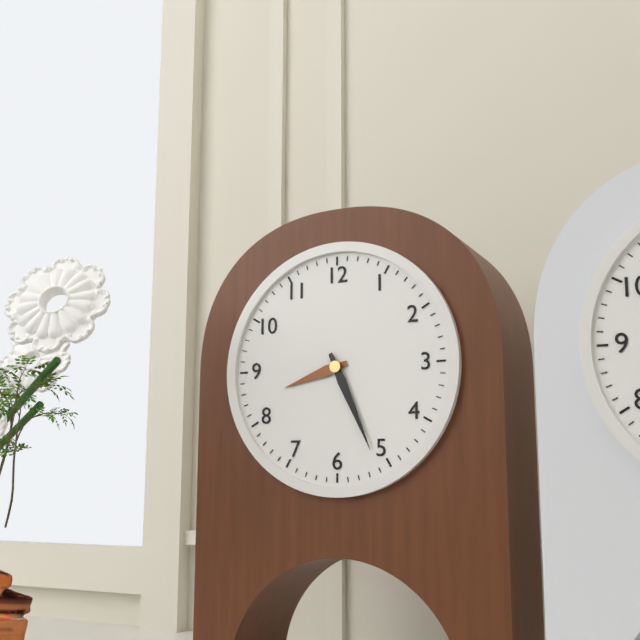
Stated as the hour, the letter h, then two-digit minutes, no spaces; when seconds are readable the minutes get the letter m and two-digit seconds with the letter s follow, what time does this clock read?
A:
8h26
